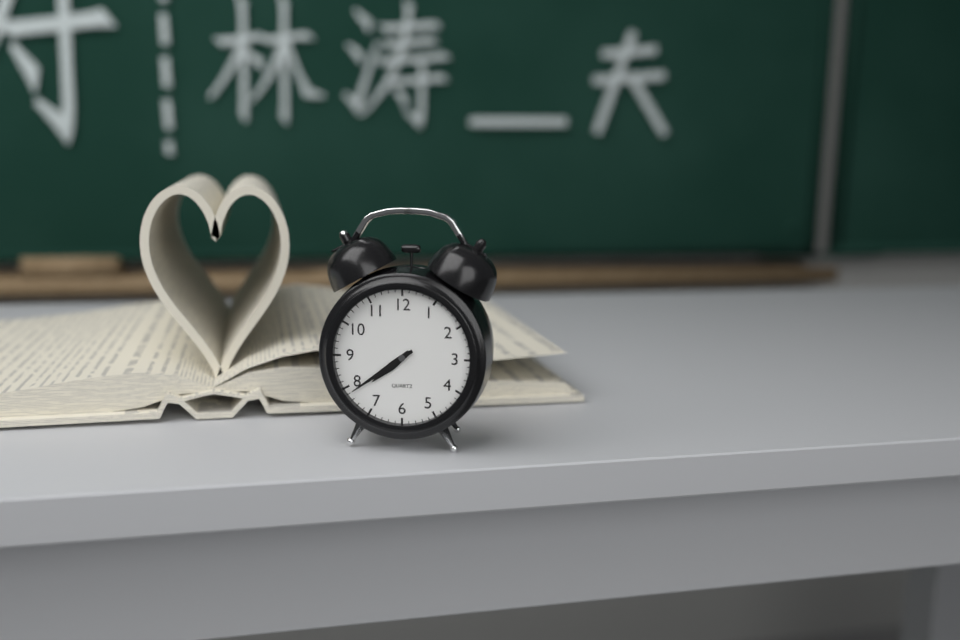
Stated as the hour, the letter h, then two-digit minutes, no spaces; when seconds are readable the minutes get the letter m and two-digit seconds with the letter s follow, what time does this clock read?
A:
7h39
